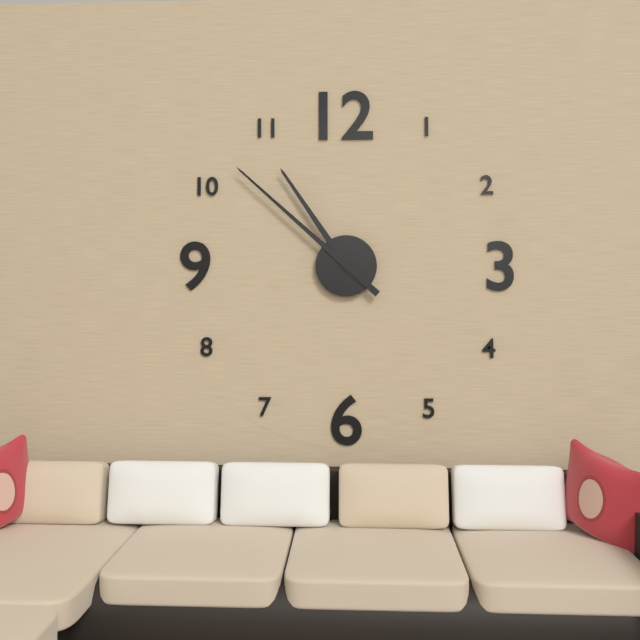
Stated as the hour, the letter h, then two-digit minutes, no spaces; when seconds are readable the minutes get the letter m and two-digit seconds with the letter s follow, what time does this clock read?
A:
10h52
